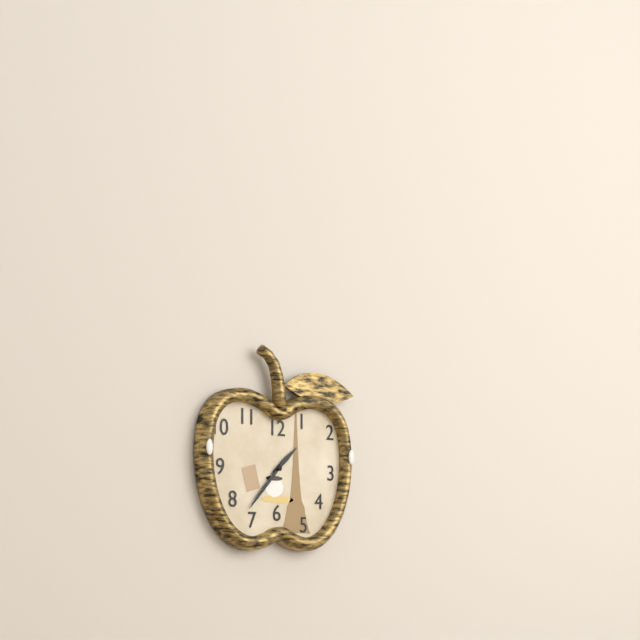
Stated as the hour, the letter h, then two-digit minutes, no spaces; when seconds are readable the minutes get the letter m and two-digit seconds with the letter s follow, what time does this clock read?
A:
1h37
